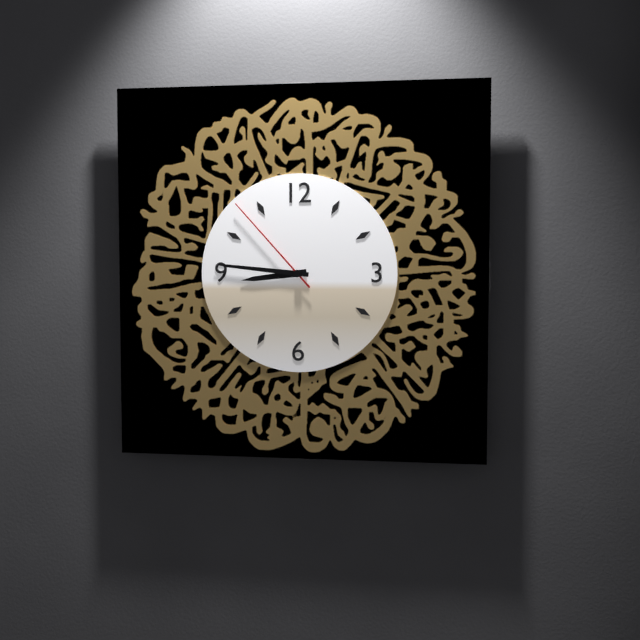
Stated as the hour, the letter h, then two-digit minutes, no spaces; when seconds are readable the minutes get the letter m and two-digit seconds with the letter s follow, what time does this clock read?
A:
8h46m53s
